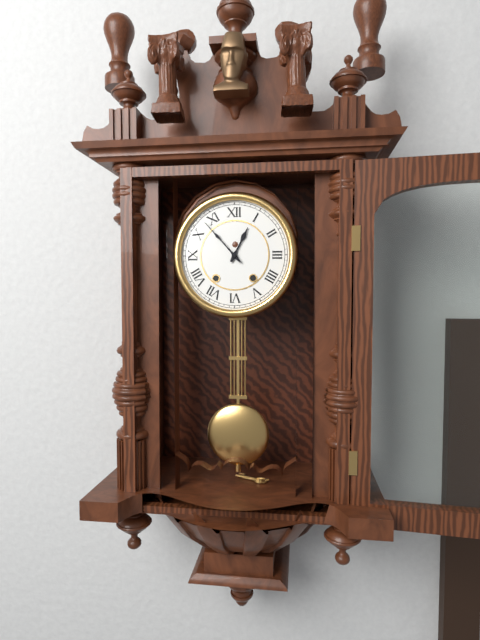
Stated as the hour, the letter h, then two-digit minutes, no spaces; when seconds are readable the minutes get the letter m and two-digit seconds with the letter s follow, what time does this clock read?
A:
12h53
